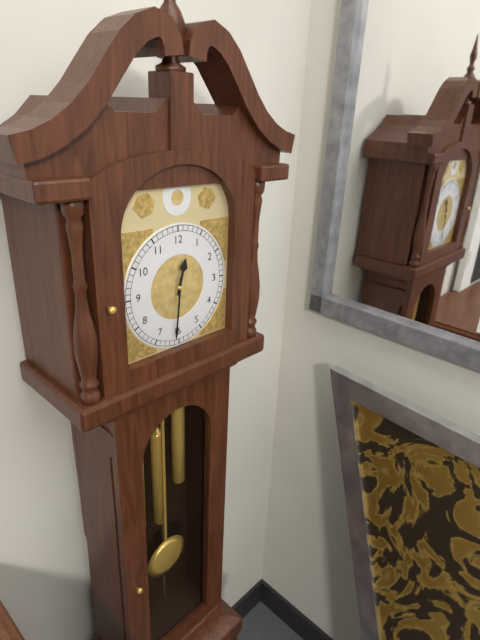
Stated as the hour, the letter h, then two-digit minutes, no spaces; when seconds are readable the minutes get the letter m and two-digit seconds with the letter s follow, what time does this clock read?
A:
12h31
